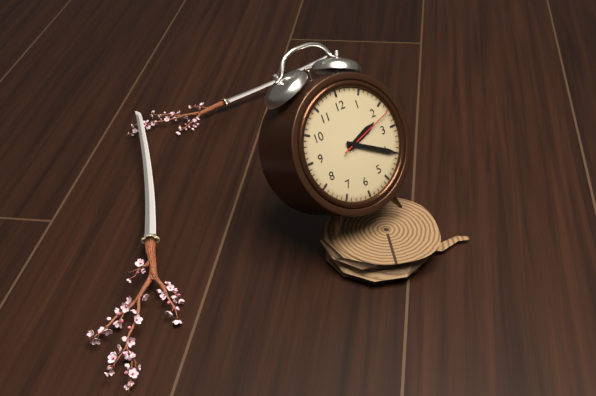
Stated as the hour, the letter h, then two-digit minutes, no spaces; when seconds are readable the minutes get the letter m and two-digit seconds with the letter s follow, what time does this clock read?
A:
2h20m12s
